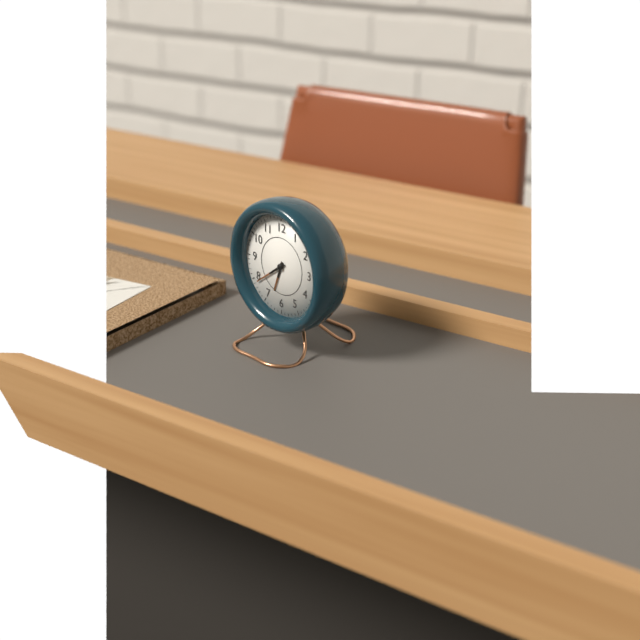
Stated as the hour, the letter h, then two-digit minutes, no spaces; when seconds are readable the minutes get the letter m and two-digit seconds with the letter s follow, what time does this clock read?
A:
6h39
